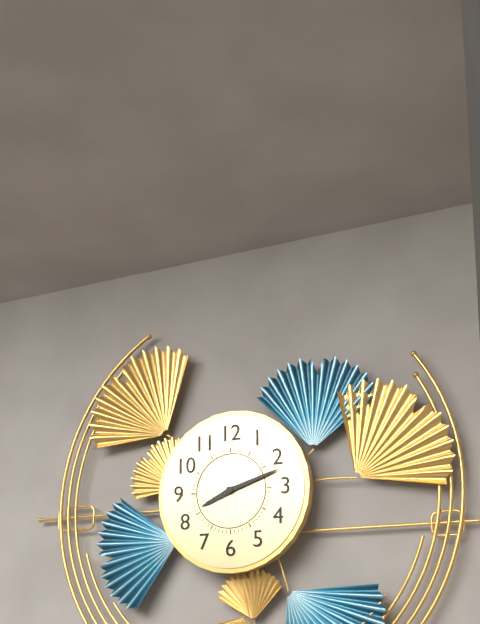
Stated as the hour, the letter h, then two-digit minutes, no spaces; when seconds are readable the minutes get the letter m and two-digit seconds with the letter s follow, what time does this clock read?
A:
8h12
